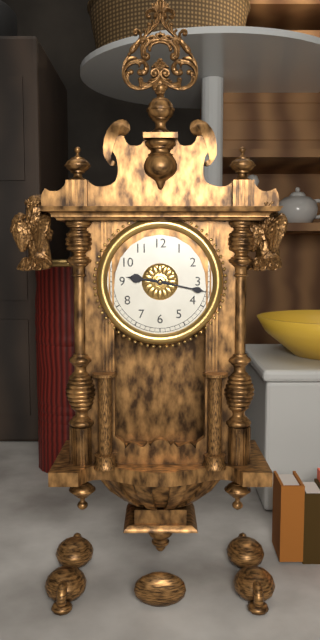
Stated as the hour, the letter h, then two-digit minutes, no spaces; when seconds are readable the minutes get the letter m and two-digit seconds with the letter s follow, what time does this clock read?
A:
9h17
